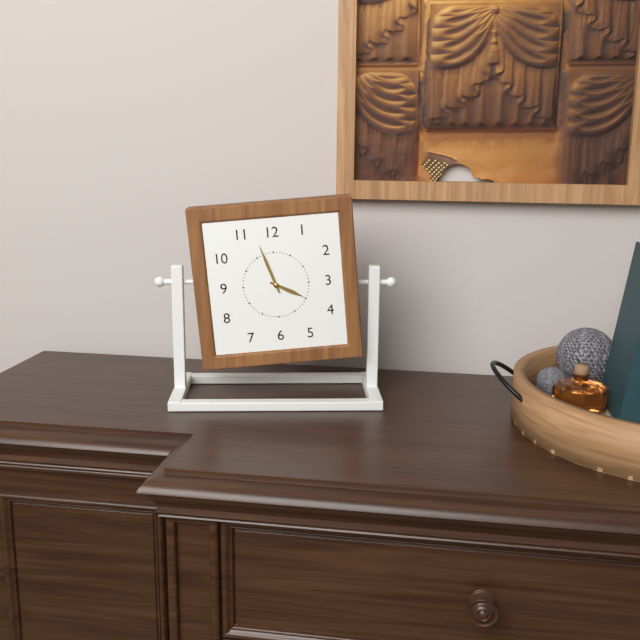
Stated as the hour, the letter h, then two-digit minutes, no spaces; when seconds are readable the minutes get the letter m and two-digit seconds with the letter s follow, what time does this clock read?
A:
3h57
